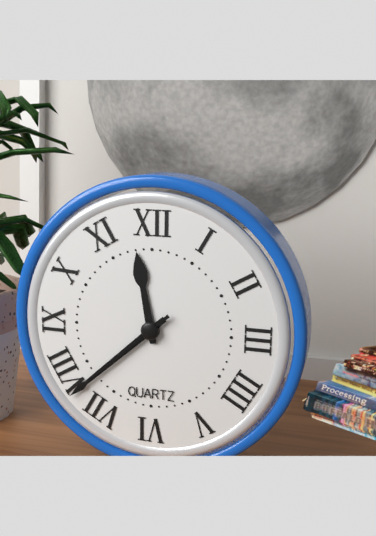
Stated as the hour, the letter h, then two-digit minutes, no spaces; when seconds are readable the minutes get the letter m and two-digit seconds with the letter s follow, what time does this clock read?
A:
11h38m38s
